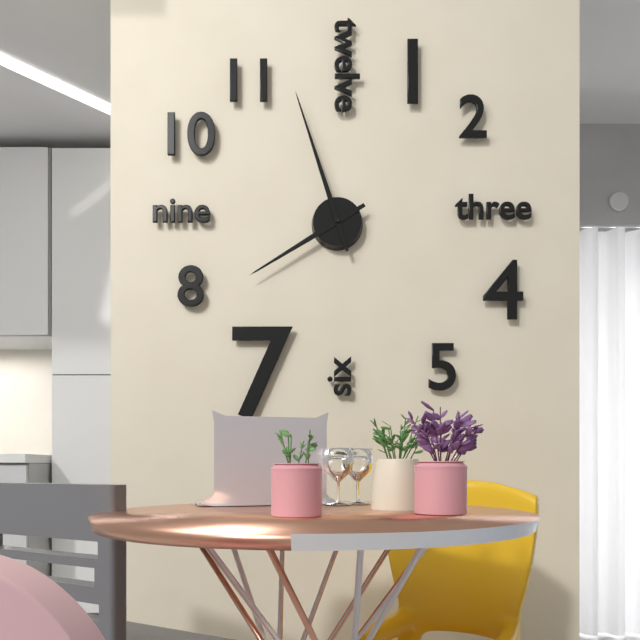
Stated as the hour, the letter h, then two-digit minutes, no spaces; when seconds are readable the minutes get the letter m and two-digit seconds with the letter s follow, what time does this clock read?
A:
7h57
